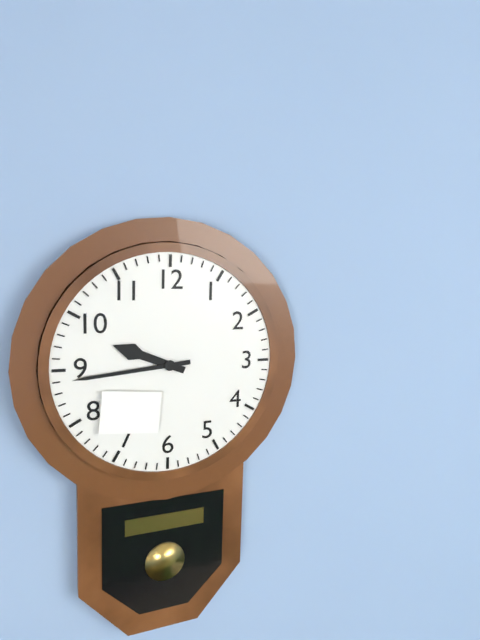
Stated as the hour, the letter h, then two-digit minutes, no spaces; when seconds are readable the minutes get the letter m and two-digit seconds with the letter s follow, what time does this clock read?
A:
9h44
